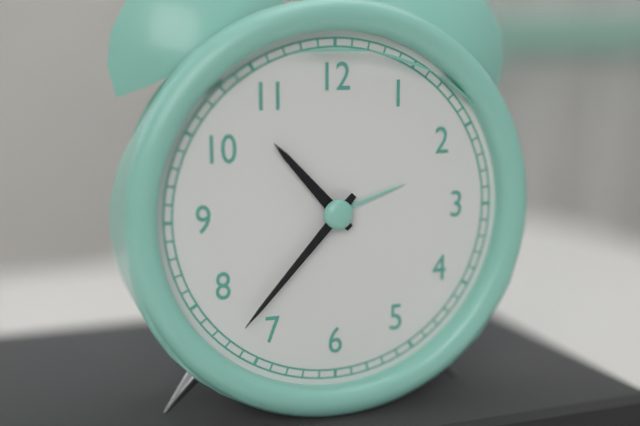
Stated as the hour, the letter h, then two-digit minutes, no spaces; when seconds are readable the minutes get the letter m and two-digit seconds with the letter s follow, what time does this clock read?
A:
10h37
